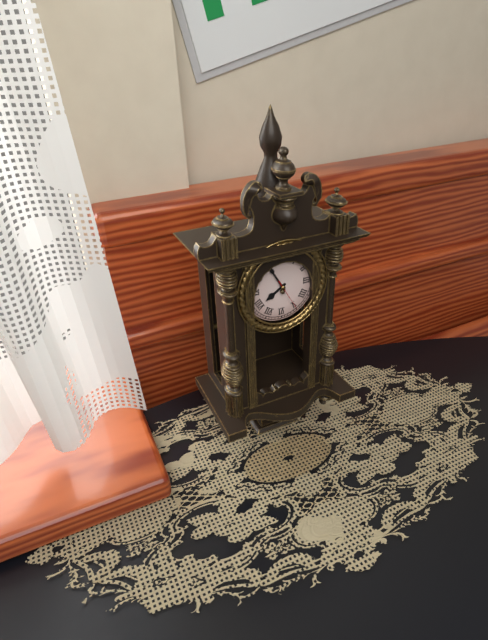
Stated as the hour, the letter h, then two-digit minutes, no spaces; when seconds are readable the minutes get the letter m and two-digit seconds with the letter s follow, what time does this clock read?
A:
7h55
